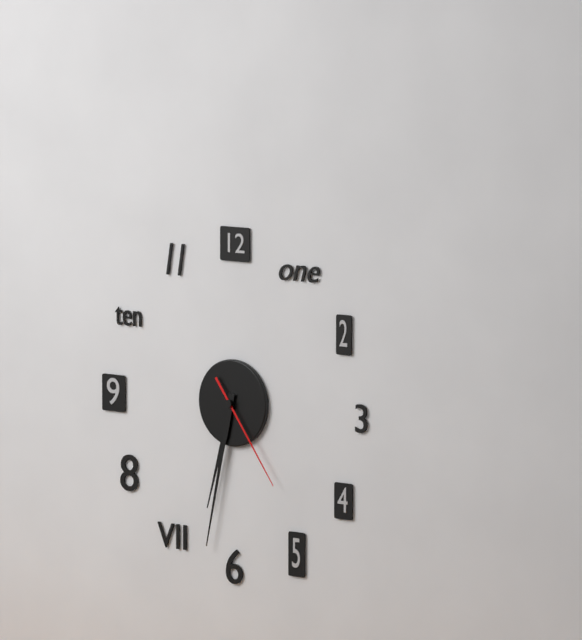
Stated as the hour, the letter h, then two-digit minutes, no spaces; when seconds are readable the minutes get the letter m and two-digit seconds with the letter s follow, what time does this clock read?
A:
6h32m24s
